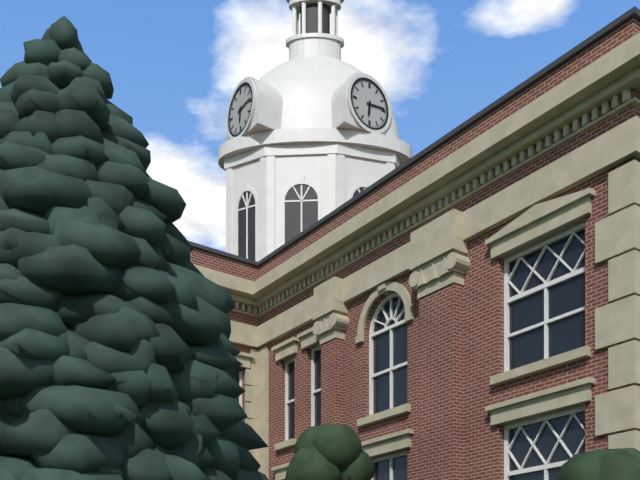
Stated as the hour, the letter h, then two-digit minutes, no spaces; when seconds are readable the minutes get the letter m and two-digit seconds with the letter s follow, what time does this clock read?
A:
6h14
